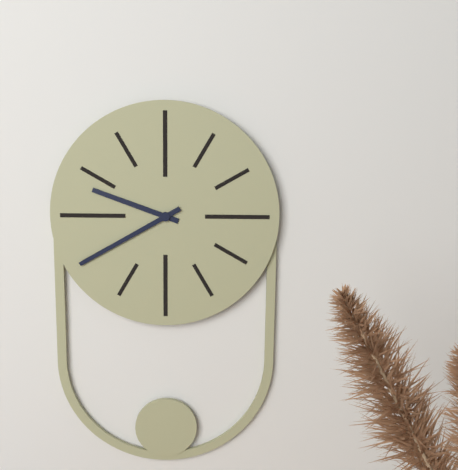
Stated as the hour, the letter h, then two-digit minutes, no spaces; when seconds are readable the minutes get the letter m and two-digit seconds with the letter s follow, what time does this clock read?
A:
9h40
